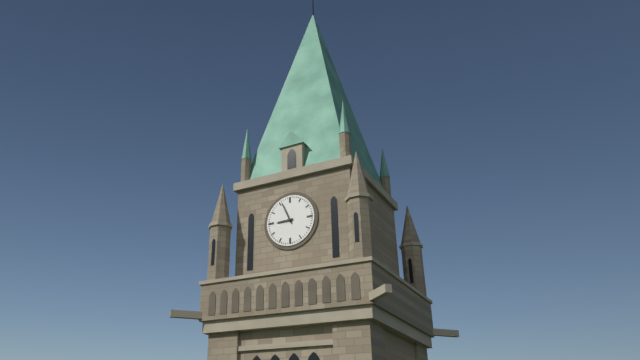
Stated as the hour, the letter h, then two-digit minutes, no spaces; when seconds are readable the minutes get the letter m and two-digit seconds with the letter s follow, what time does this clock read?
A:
8h56
